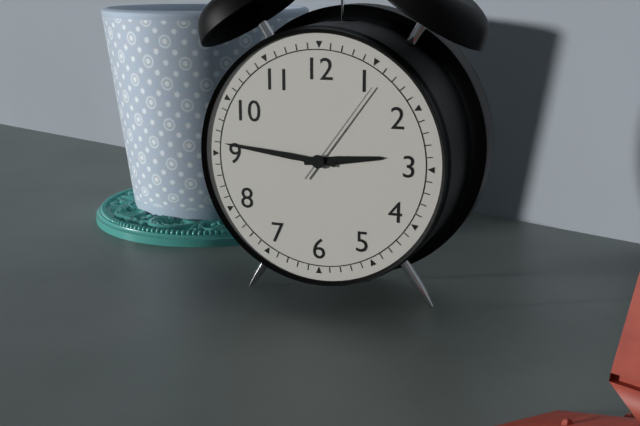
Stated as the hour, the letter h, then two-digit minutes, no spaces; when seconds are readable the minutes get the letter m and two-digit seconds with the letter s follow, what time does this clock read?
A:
2h46m06s
